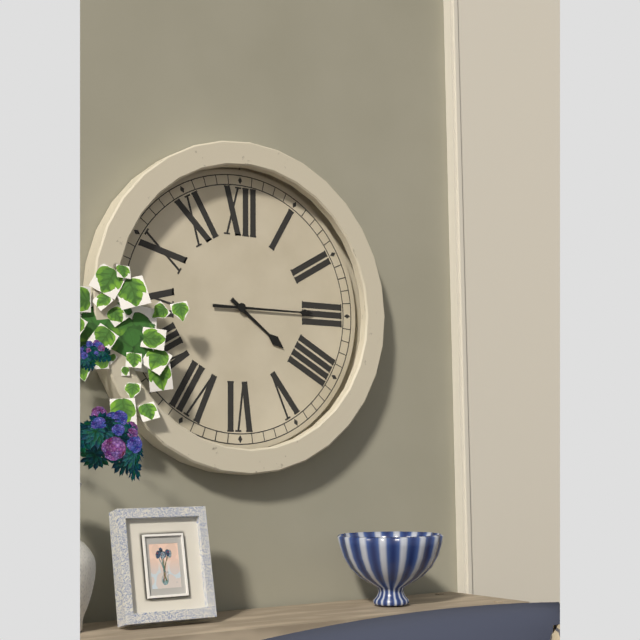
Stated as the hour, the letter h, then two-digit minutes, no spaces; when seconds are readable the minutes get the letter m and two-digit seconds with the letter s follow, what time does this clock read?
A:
4h15
